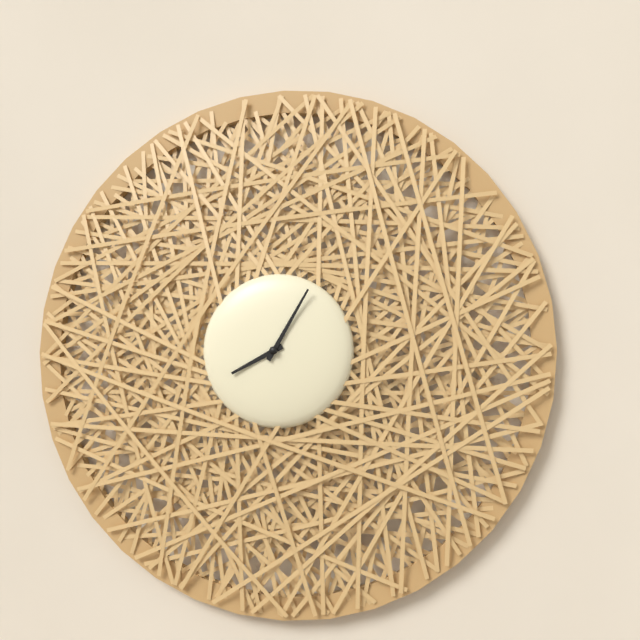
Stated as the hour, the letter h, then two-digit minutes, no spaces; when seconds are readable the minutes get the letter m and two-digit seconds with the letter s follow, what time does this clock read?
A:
8h05
